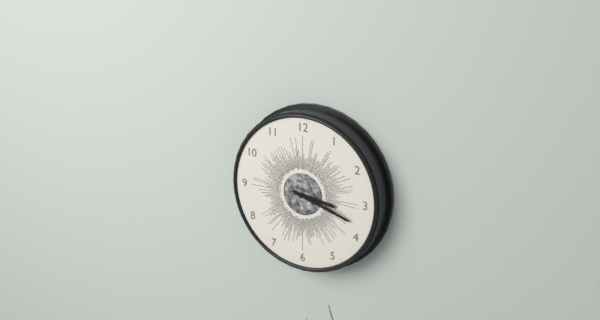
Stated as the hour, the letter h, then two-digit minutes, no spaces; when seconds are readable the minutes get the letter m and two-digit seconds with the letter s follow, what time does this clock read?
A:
3h18
